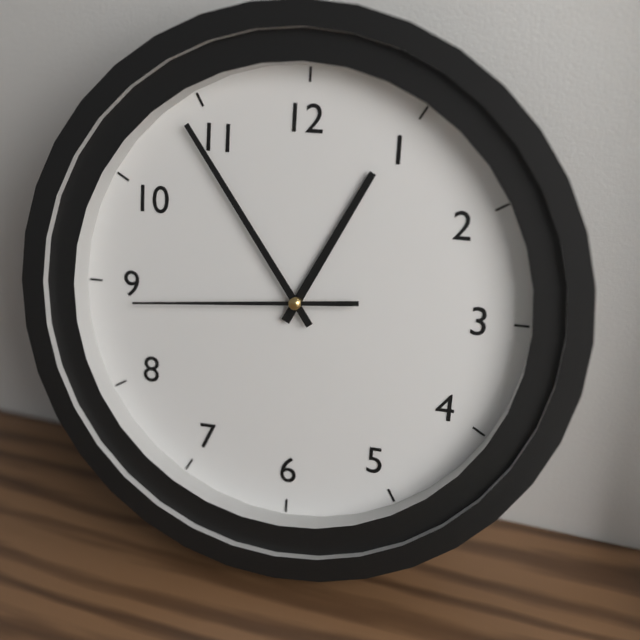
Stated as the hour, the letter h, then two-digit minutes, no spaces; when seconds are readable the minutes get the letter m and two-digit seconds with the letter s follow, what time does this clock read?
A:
12h54m44s
